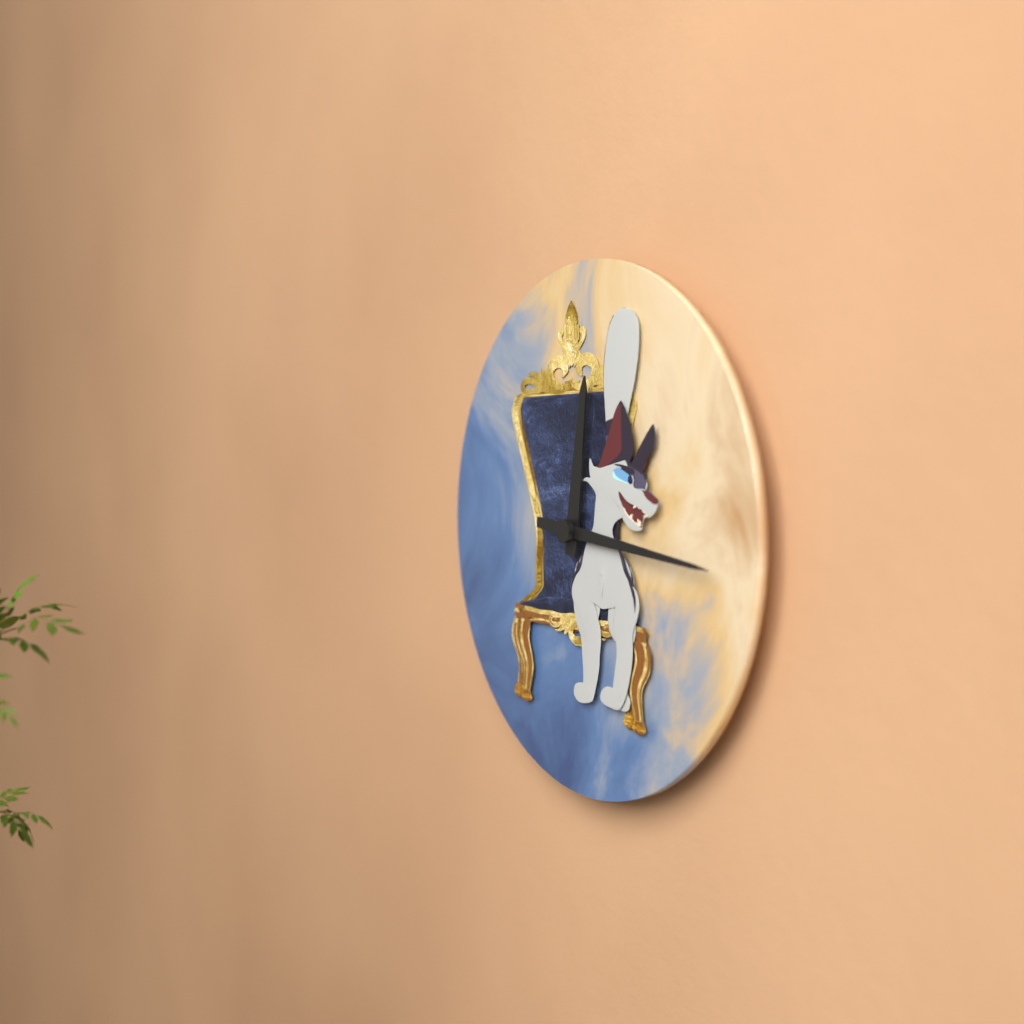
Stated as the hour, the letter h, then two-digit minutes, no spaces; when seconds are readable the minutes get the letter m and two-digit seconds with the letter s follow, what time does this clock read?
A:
12h16
